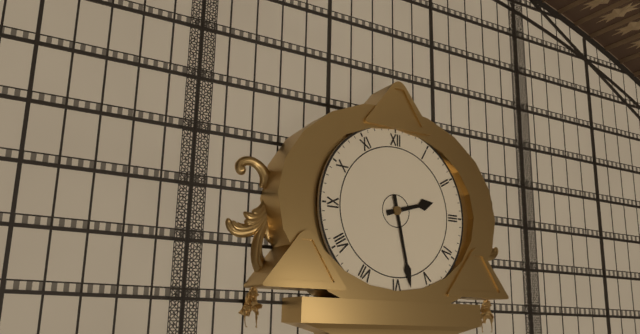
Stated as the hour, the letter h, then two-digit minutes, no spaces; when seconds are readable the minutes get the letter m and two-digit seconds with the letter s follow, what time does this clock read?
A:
2h28
